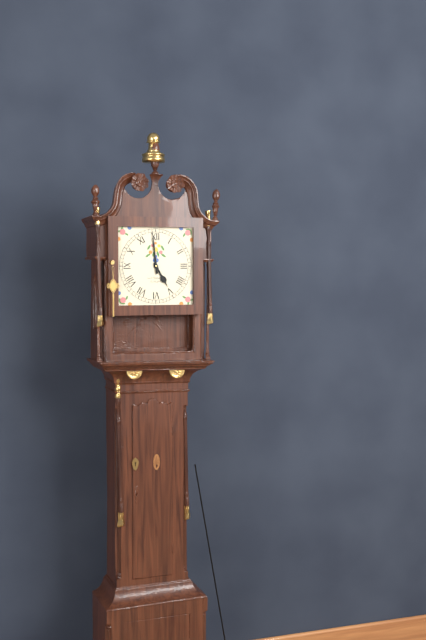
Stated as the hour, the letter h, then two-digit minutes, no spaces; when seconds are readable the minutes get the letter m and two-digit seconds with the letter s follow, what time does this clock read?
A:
4h59
